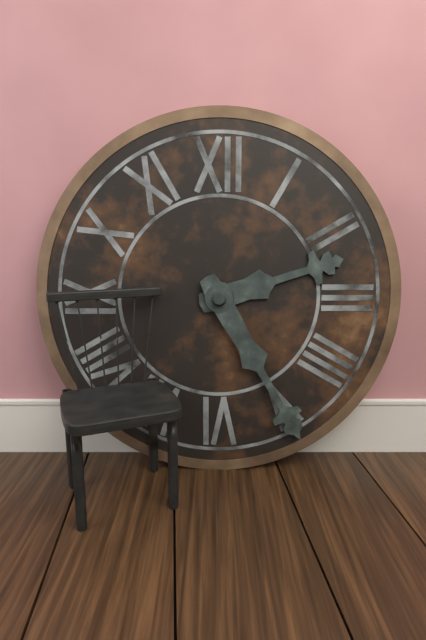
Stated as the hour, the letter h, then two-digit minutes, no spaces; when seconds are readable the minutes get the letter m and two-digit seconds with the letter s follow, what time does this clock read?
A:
2h25
